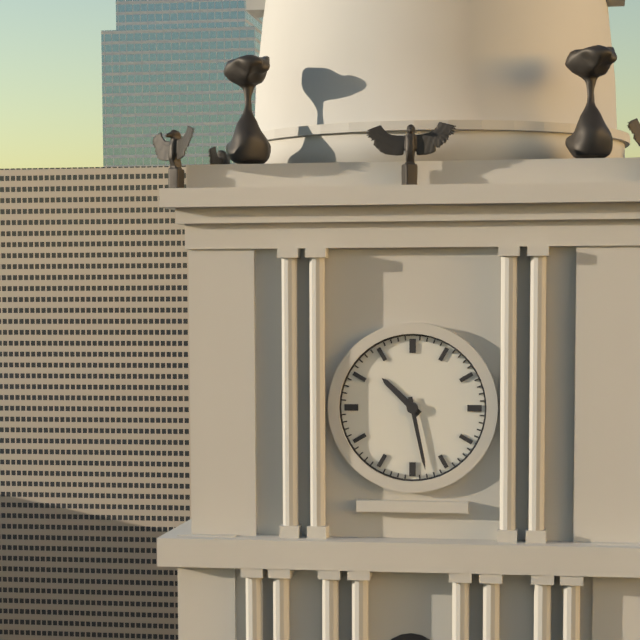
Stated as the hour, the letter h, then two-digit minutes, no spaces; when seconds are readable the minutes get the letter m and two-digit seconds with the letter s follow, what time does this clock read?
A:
10h28
